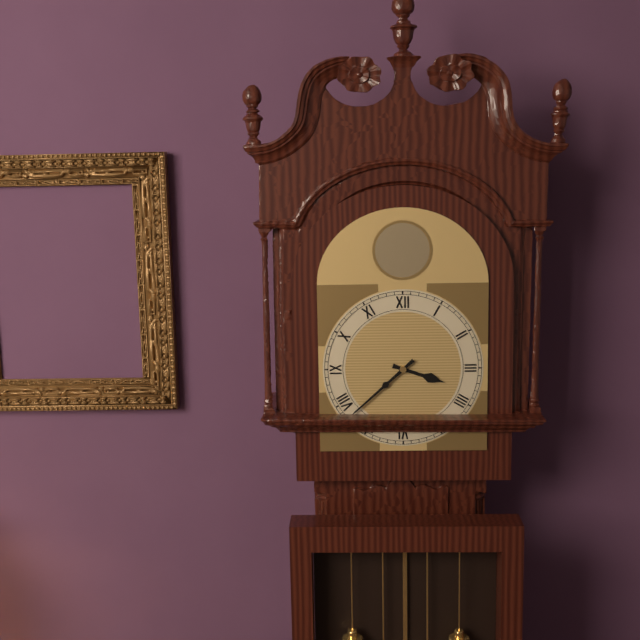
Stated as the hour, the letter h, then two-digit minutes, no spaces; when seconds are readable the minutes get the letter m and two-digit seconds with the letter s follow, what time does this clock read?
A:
3h38
